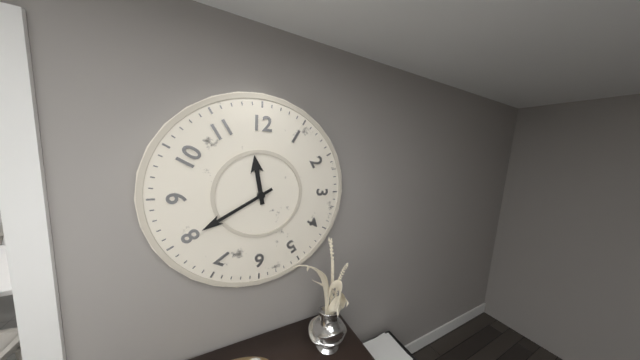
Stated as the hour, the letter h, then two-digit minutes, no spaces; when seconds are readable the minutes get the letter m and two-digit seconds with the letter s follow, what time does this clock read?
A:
11h40
